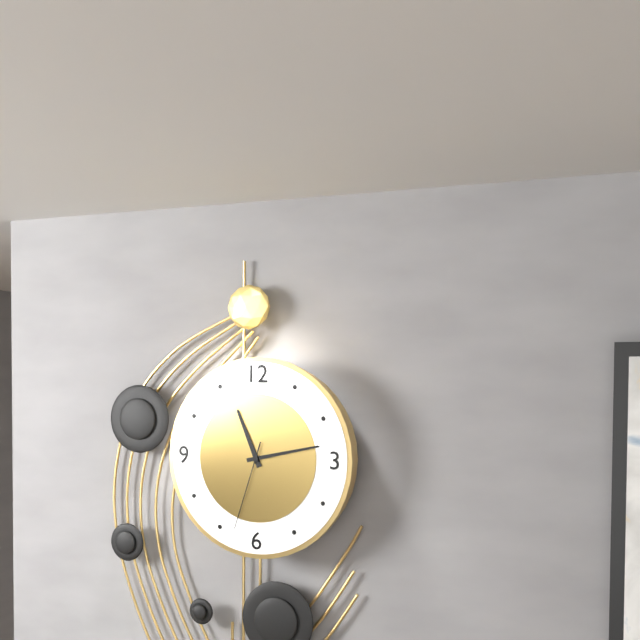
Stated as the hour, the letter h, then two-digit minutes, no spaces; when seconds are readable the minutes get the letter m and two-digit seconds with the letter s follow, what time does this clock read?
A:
11h13m33s
